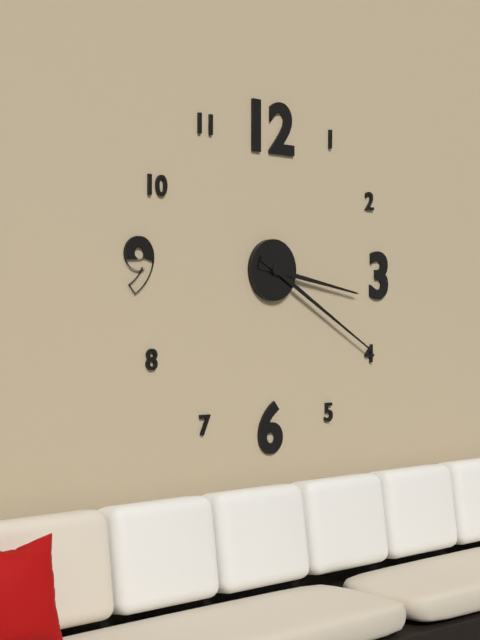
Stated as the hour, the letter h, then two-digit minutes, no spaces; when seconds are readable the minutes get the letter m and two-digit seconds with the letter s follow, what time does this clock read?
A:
3h20
